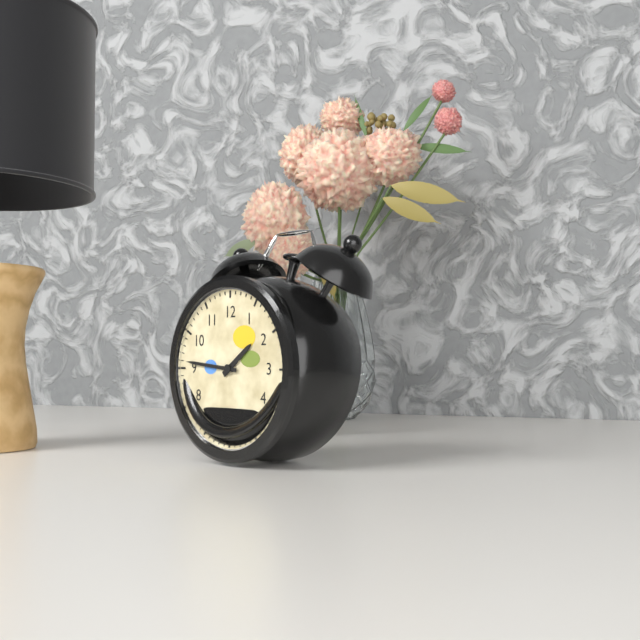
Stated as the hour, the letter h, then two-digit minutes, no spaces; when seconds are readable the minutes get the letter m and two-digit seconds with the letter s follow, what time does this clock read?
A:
1h46
